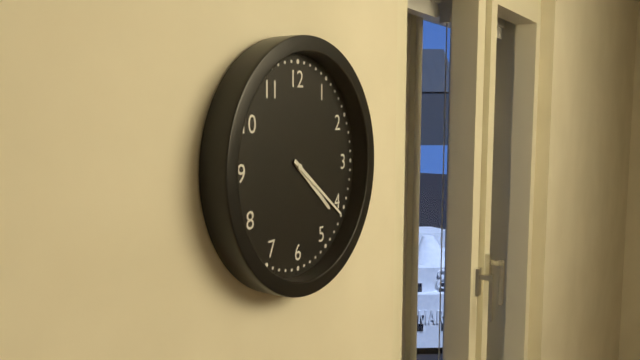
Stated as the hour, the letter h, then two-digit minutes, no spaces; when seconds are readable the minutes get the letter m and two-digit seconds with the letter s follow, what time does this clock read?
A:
4h21
